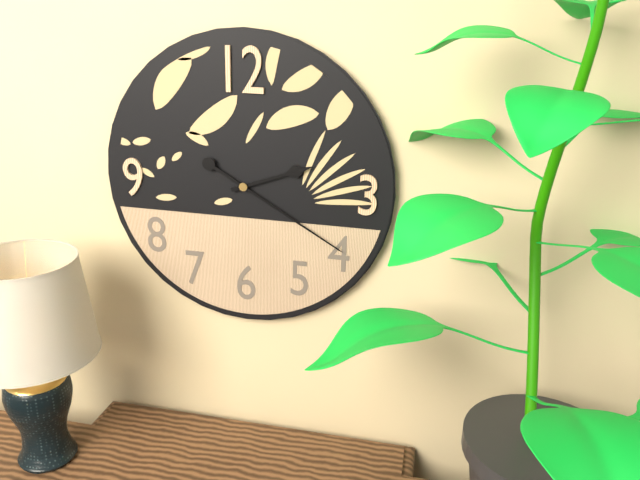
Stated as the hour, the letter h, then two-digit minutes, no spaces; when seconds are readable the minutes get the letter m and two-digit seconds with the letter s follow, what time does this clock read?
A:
2h20
